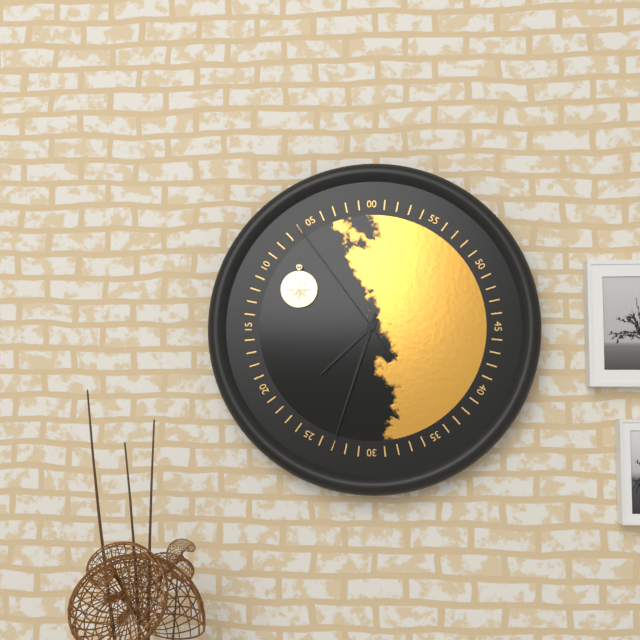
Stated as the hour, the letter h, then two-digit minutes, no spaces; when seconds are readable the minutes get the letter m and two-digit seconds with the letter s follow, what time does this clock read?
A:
7h33m54s
